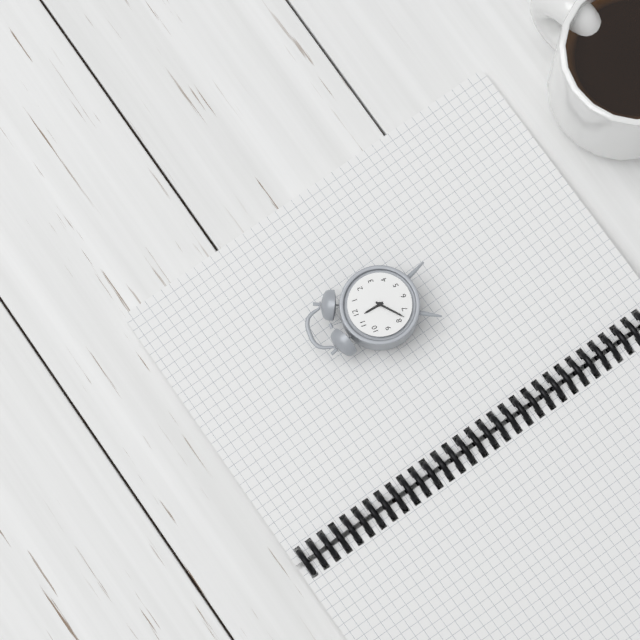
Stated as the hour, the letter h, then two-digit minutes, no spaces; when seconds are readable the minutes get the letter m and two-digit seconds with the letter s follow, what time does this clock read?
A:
11h38
